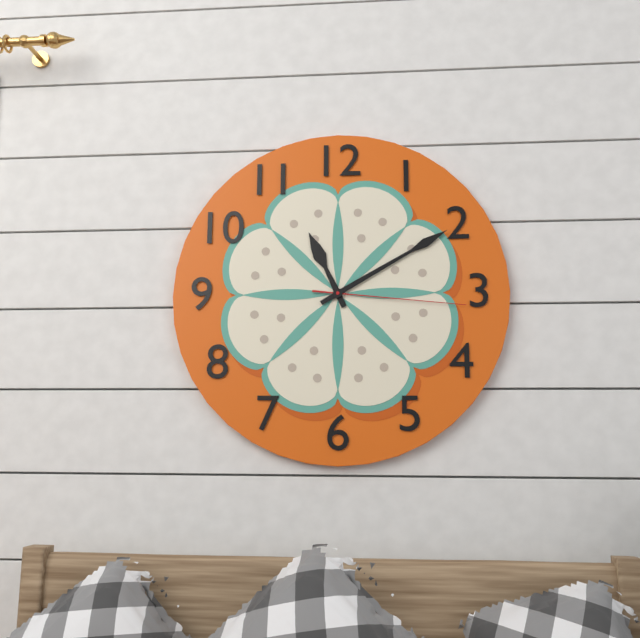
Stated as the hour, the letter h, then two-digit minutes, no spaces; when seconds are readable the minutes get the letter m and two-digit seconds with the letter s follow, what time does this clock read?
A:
11h10m16s
